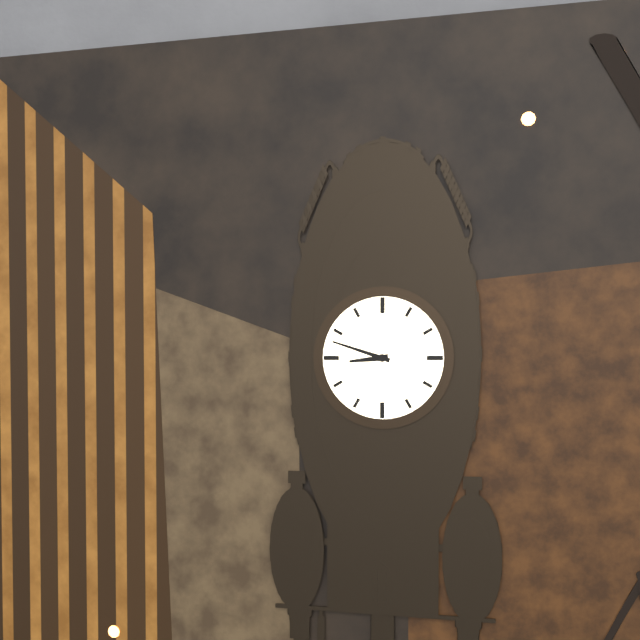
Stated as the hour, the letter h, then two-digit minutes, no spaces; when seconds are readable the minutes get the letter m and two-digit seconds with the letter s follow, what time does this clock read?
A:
8h48
